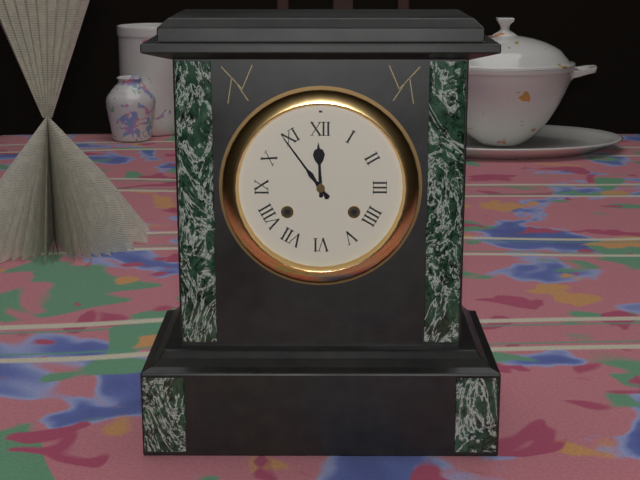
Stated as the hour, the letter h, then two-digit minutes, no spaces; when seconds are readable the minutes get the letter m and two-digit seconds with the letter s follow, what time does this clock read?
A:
11h54
